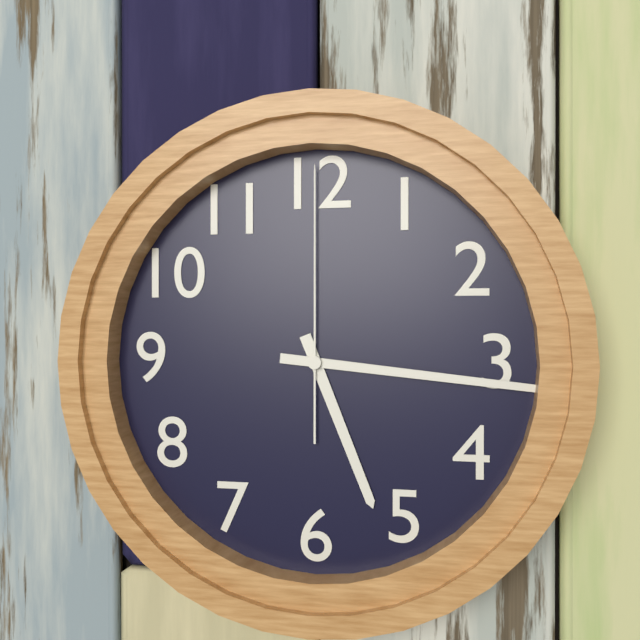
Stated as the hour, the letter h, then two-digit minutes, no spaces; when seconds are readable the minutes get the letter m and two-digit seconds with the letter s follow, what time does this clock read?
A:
5h16m00s
